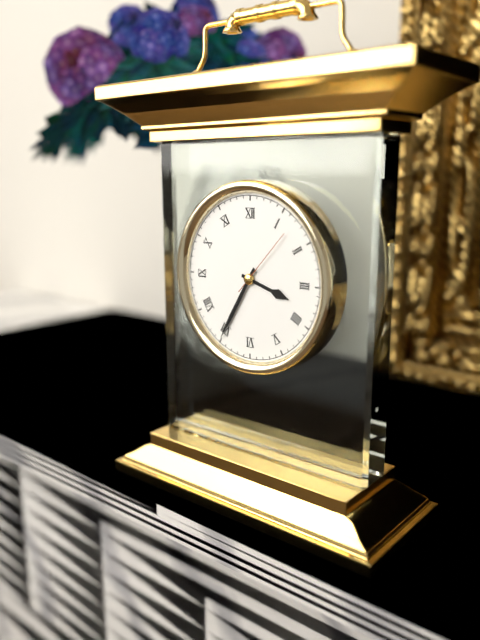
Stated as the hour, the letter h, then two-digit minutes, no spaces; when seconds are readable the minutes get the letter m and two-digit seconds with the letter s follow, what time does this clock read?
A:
3h35m07s
